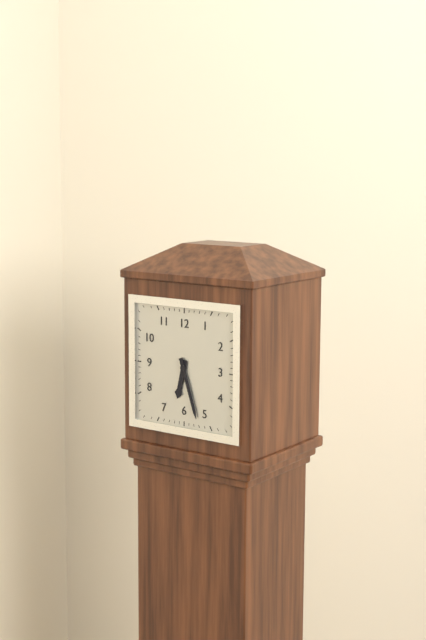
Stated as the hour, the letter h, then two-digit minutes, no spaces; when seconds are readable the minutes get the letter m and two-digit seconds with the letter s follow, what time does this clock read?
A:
6h27
